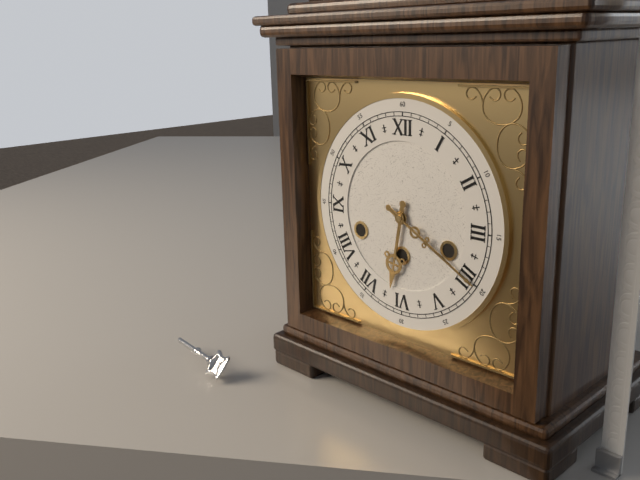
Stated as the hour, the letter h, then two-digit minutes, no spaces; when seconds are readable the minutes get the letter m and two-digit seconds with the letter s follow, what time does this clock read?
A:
6h20
